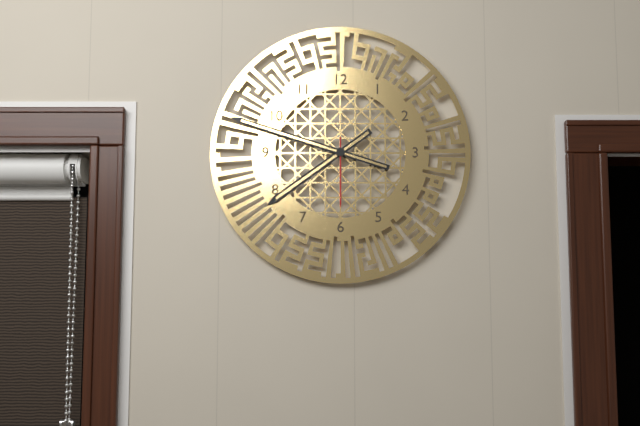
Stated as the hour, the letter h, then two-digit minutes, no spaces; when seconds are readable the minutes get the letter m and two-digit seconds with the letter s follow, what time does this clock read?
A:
7h48m30s
